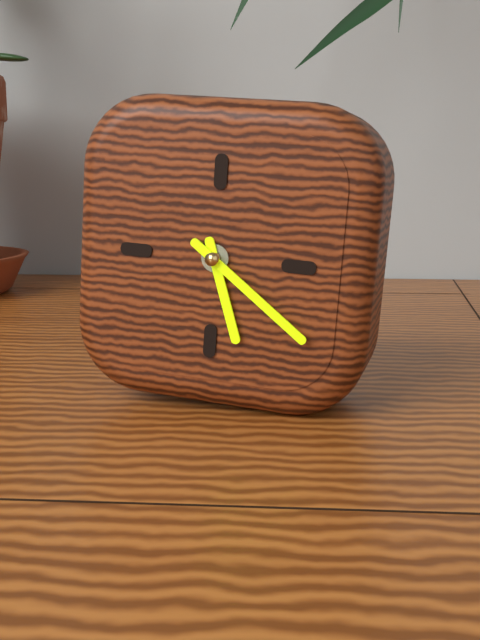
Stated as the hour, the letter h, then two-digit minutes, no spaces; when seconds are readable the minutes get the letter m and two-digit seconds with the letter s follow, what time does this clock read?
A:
5h21
